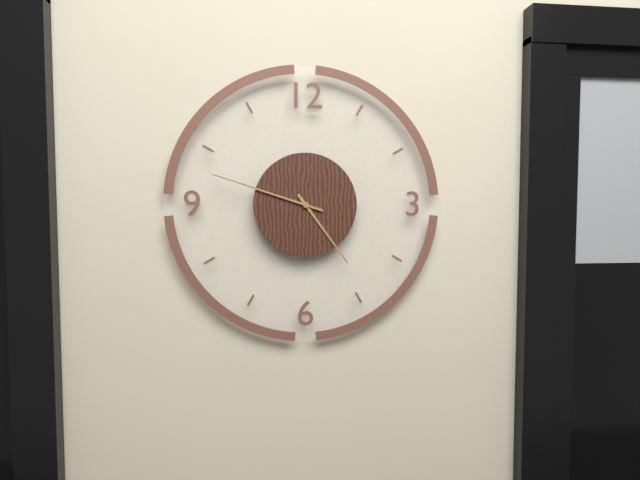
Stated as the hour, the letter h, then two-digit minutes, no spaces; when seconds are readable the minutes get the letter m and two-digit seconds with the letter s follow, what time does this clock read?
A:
4h48
